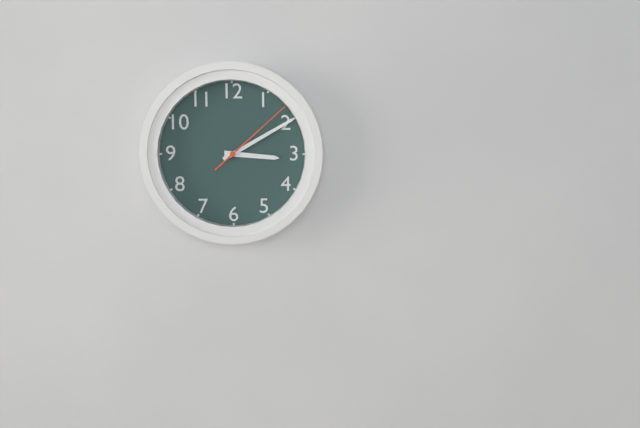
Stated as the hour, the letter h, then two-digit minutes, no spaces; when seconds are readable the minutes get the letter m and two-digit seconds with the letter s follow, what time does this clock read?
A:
3h10m08s
